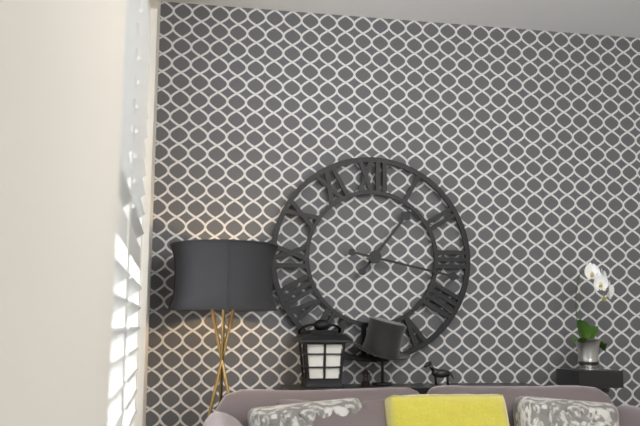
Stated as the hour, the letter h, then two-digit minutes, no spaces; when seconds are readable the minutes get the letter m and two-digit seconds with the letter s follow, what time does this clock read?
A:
1h17
